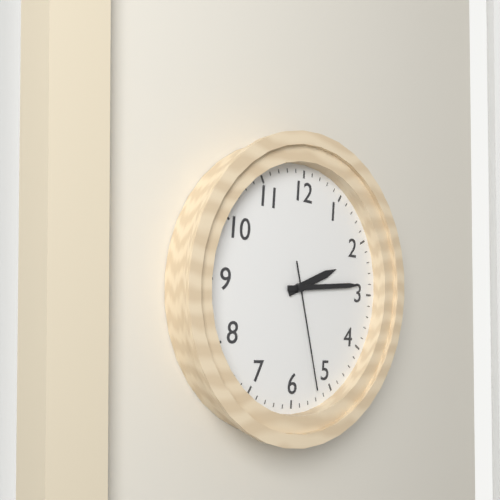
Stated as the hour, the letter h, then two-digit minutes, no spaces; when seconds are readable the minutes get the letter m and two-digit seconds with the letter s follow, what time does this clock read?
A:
2h14m27s
